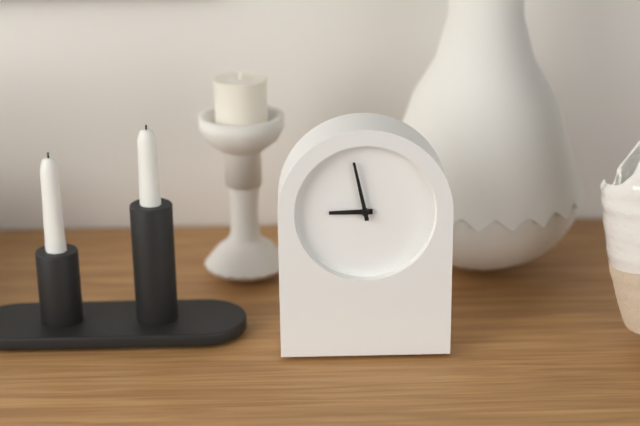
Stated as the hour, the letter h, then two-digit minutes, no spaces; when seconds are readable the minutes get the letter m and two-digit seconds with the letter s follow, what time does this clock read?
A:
8h58
